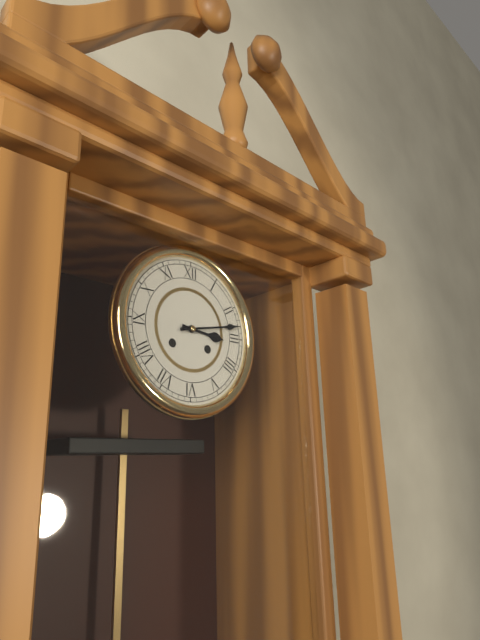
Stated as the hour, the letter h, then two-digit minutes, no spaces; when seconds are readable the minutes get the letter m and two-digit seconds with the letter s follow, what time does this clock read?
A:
3h13
